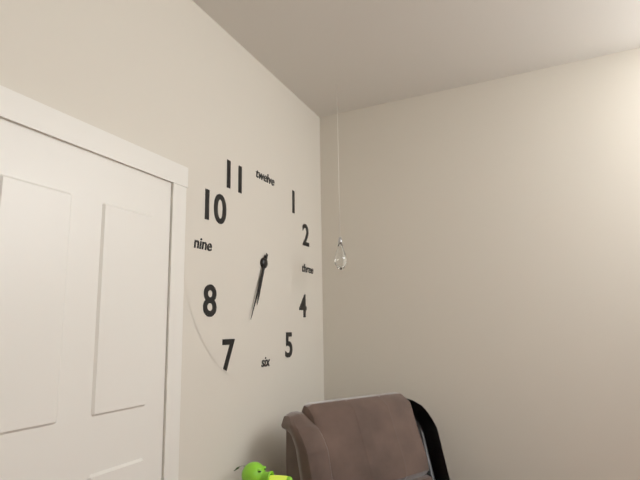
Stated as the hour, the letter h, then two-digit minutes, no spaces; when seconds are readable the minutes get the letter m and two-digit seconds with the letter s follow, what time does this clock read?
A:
6h34
